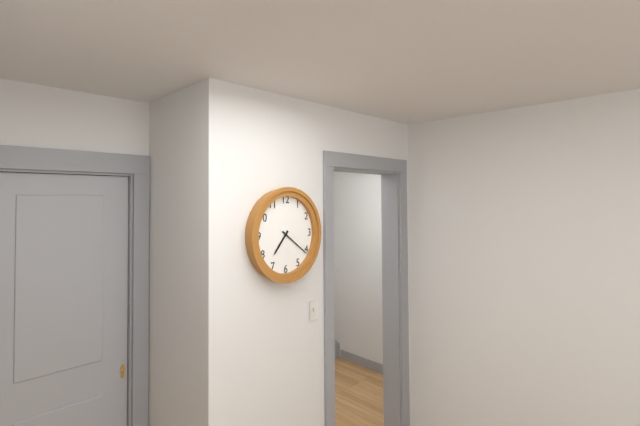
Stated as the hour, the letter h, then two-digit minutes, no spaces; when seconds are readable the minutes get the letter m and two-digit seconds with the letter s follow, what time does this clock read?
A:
7h21
